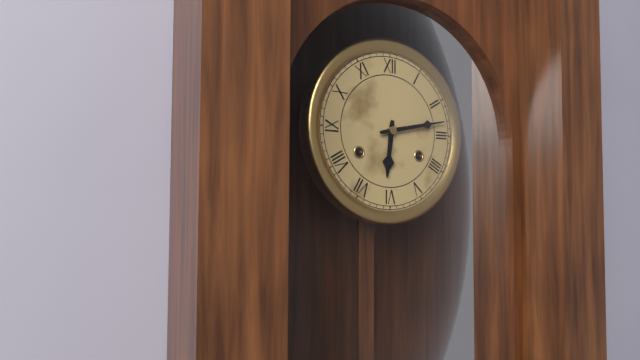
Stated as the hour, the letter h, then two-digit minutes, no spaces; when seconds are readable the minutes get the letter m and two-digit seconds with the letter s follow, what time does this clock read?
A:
6h13
